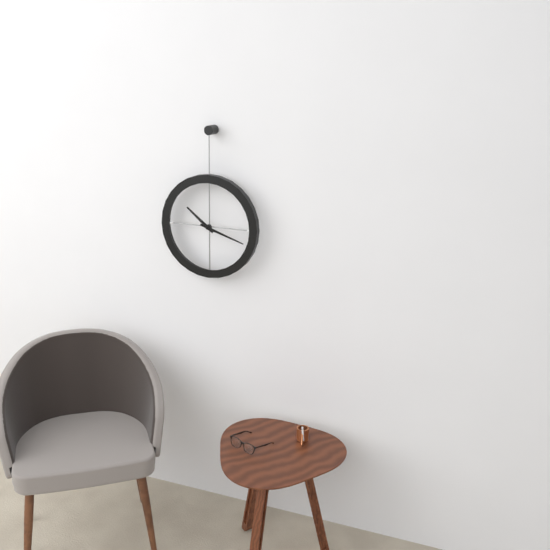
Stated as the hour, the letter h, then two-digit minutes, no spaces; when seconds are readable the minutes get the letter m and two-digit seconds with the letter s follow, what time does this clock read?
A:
10h18
